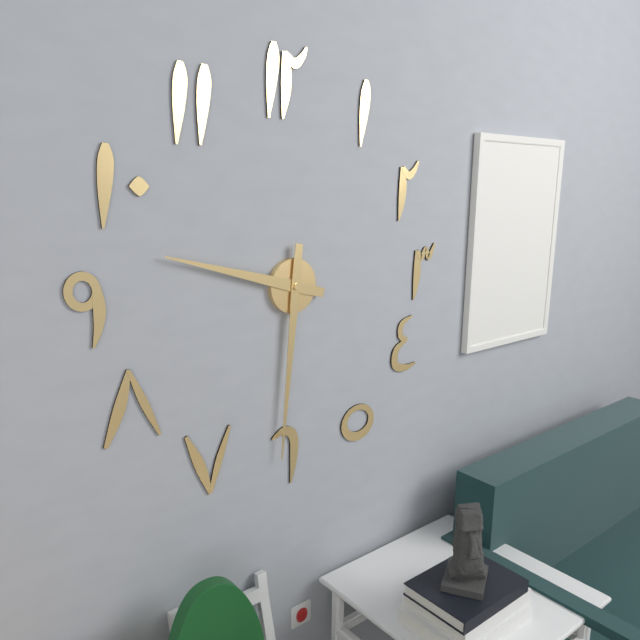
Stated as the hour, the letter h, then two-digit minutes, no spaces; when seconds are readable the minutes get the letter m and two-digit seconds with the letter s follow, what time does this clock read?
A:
9h31
